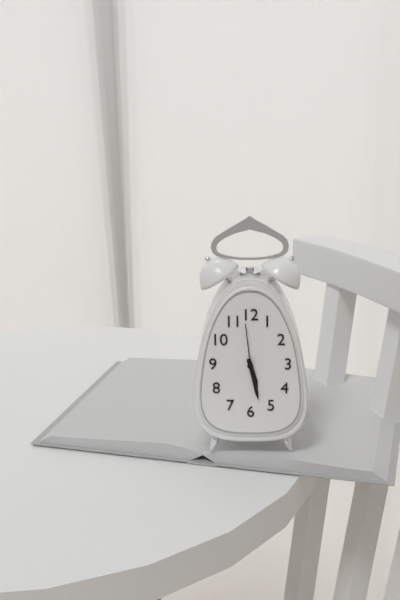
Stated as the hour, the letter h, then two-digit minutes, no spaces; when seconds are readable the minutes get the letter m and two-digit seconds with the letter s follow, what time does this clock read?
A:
5h28m59s
